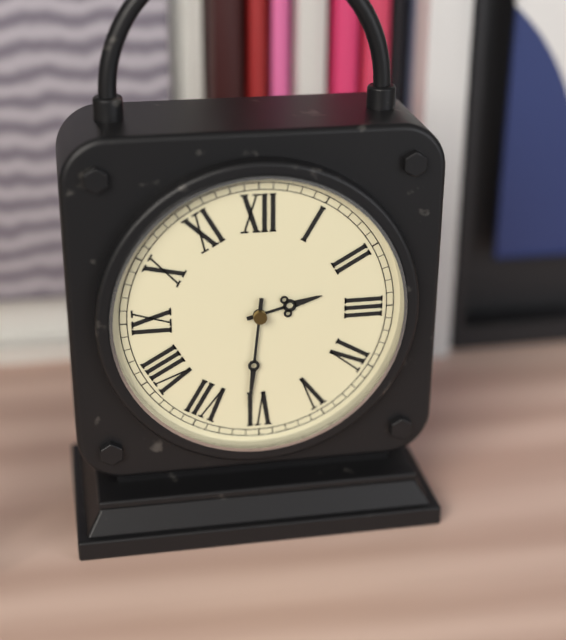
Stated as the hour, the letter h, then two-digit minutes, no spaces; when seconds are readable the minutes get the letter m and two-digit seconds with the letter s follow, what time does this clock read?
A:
2h31
